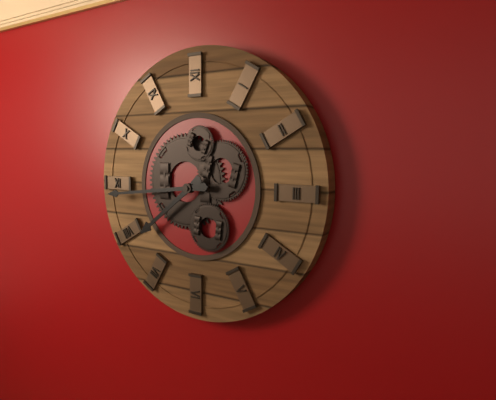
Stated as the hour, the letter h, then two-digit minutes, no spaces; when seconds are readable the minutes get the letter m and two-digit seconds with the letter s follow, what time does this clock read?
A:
7h44
